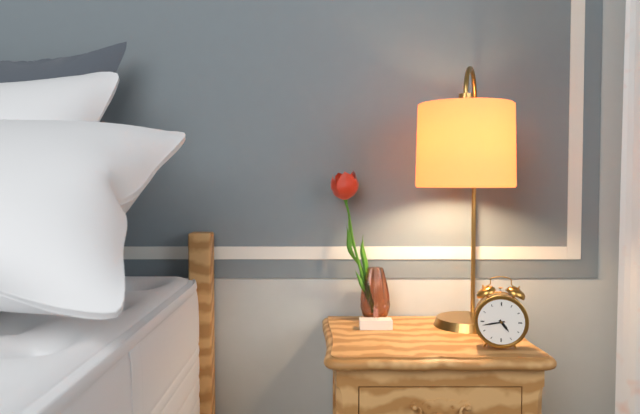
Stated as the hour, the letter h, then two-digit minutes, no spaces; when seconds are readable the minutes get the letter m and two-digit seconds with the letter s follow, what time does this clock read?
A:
4h43
